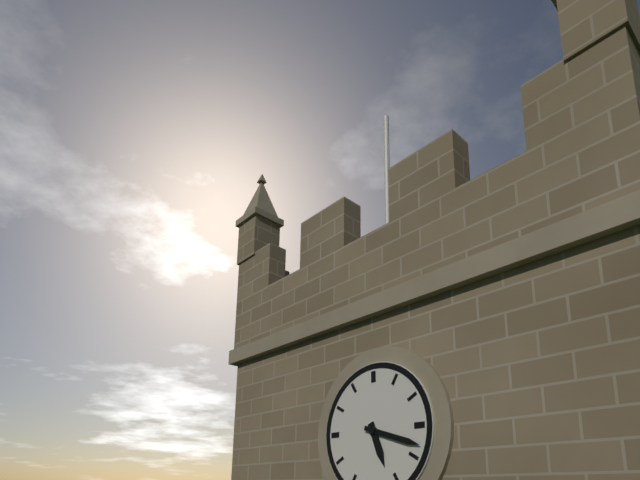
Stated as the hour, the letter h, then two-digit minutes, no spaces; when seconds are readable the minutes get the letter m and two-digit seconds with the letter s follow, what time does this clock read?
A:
5h18
